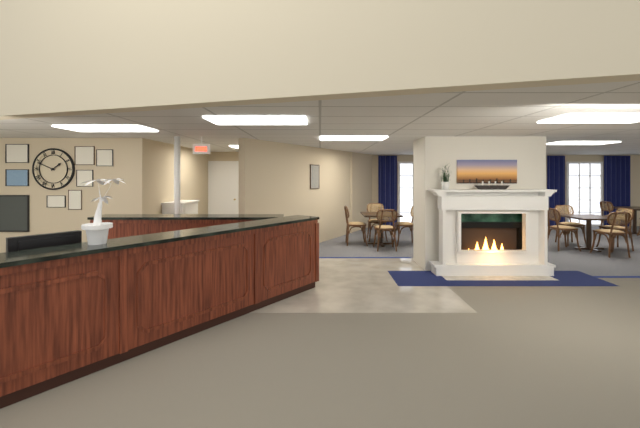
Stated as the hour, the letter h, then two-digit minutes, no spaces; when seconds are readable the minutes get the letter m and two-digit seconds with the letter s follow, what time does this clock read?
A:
1h49
